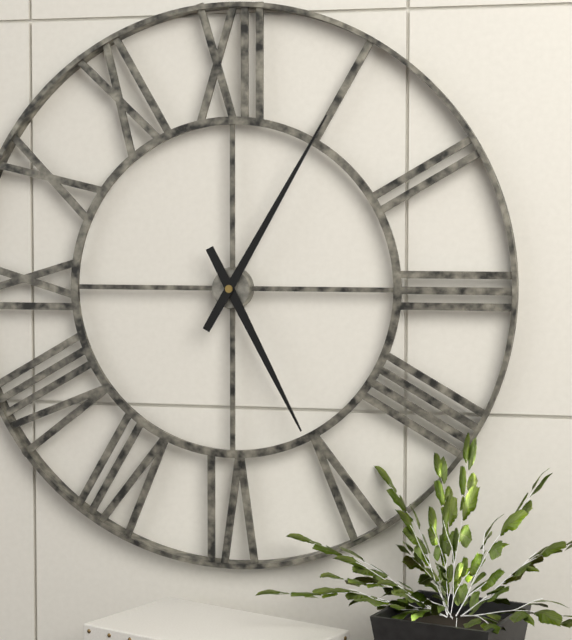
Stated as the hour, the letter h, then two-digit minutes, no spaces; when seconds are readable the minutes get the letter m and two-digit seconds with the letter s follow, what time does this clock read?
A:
5h05
